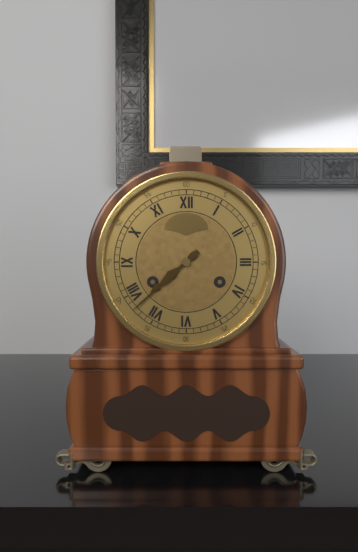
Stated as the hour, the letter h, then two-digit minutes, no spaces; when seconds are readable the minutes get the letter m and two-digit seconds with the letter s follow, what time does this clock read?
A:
7h38
